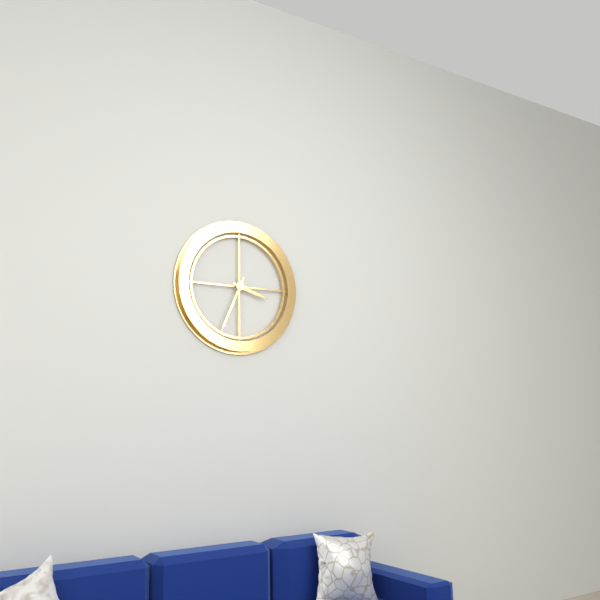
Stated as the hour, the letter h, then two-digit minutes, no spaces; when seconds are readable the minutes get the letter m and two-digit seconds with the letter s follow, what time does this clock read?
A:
3h34
